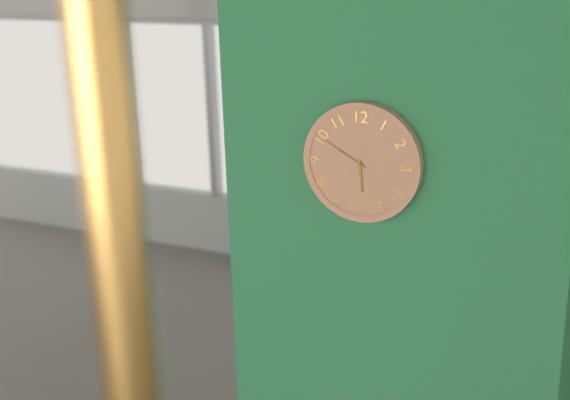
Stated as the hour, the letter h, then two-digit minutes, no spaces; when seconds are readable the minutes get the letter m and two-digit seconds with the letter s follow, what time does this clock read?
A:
5h50
